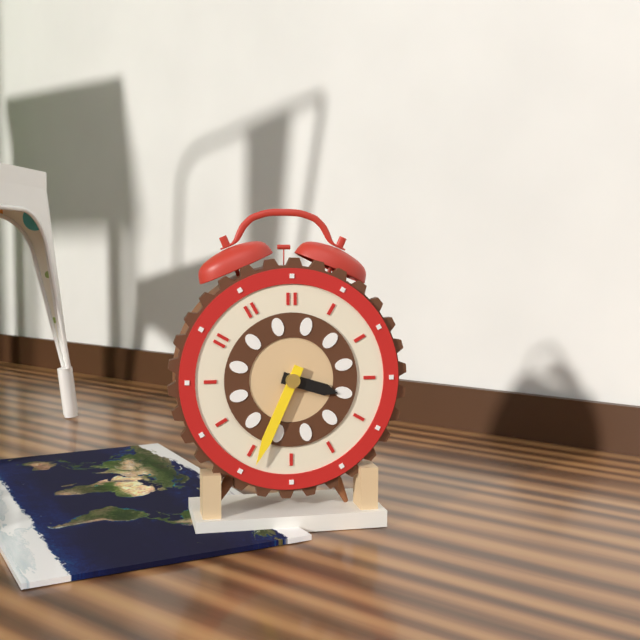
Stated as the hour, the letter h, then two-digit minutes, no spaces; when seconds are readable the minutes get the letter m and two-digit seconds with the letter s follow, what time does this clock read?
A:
3h34
